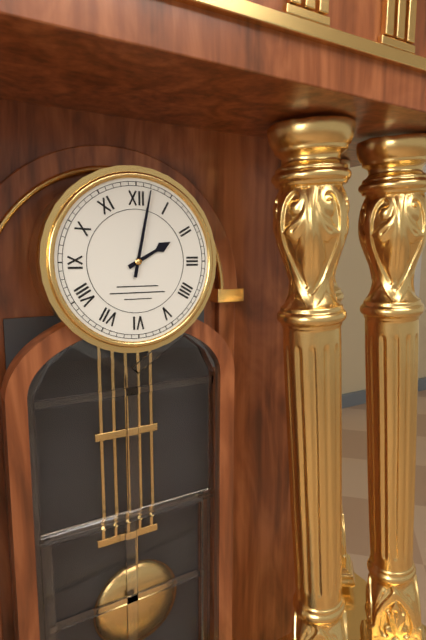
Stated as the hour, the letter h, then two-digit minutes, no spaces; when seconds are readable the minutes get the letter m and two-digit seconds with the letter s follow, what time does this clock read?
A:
2h02
